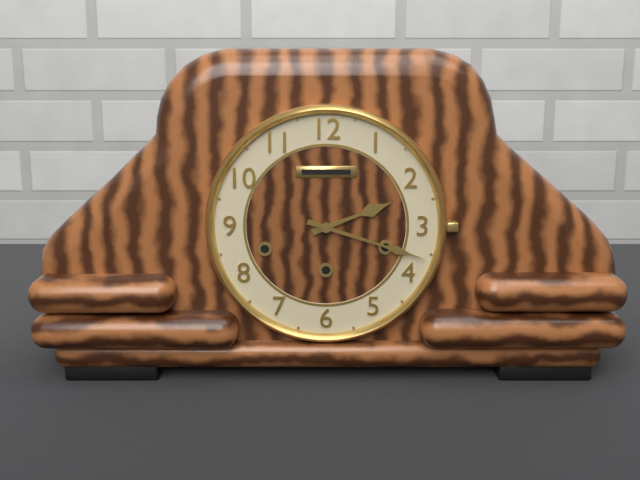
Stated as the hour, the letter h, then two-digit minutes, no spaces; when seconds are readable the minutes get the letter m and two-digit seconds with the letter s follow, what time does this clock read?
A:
2h18
